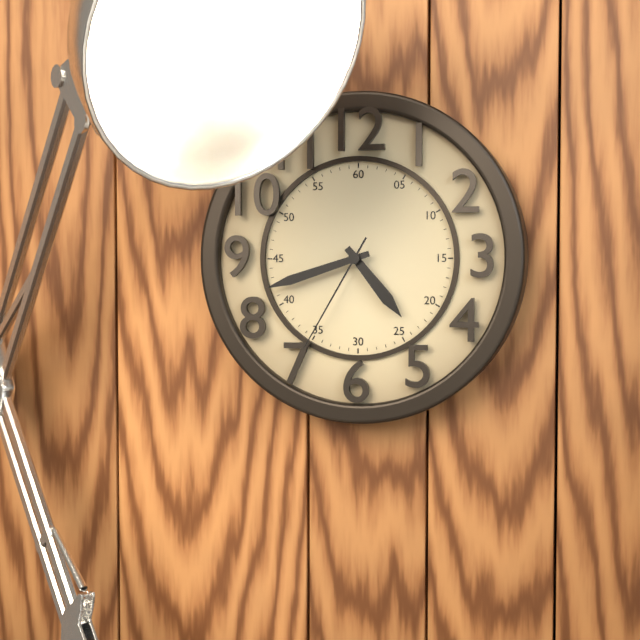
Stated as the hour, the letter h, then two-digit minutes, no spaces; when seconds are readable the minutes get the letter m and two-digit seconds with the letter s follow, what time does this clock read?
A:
4h42m35s
